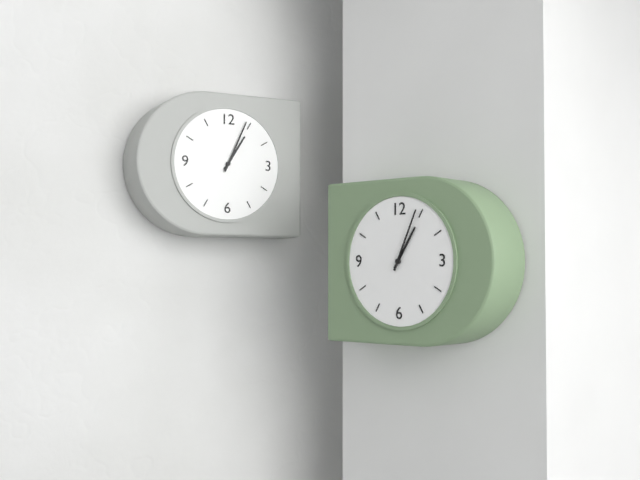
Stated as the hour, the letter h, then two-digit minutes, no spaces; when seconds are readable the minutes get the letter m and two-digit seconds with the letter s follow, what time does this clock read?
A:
1h04
